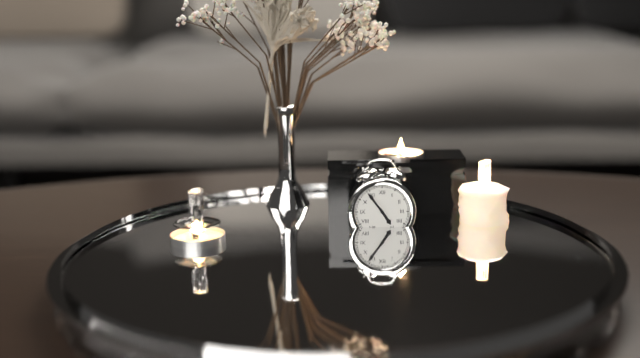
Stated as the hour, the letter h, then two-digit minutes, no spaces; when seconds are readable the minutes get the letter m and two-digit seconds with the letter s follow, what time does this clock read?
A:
4h54
